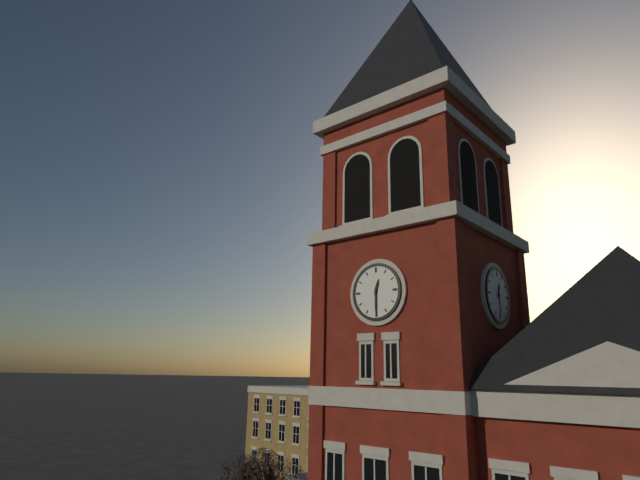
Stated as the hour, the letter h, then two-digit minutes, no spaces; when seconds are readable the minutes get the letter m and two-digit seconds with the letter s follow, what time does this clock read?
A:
12h30
